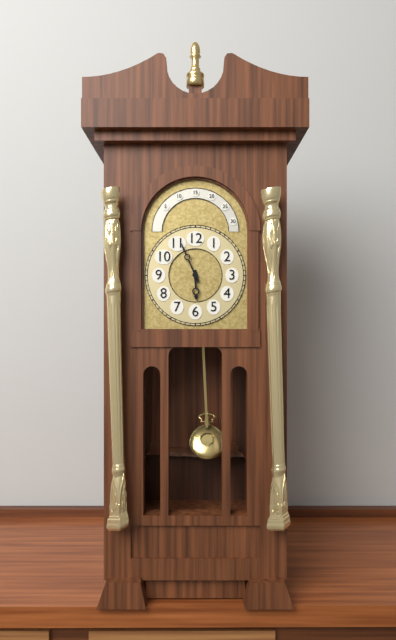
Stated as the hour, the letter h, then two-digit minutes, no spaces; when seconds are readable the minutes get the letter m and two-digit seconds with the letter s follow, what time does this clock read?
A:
5h56
